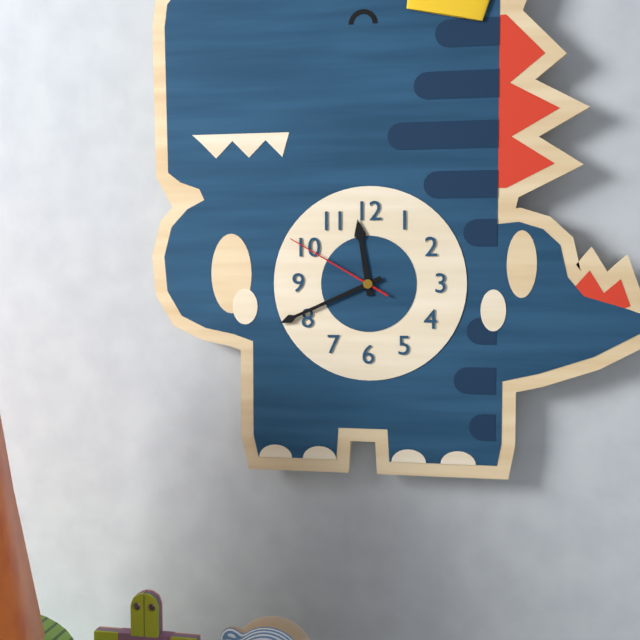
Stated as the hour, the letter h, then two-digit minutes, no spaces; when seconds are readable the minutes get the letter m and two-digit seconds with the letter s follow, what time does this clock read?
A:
11h41m50s
